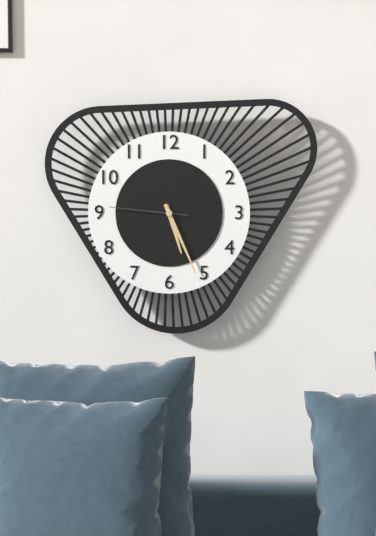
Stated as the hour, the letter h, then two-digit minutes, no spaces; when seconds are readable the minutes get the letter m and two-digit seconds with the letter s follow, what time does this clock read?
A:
5h26m46s
